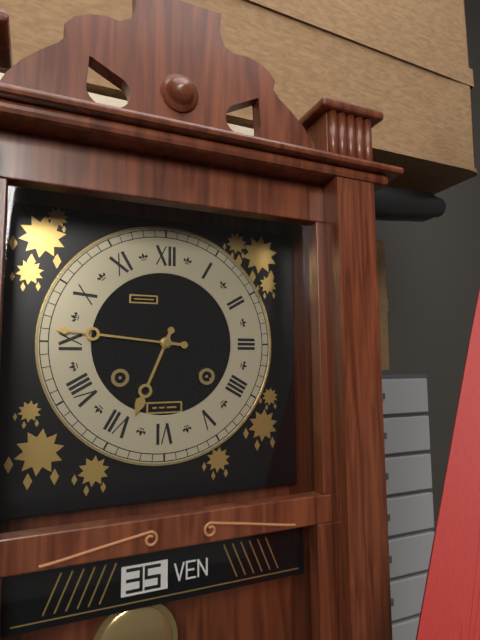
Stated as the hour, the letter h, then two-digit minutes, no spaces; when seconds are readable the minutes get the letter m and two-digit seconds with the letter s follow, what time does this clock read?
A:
6h46
